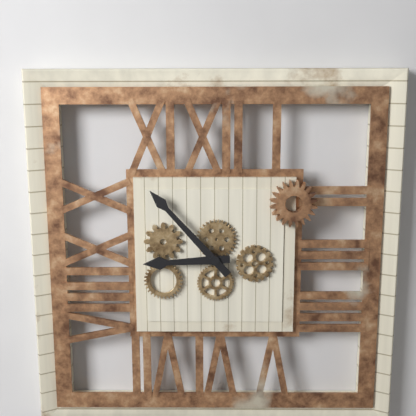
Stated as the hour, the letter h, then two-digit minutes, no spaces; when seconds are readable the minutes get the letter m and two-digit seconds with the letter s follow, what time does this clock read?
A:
8h53
